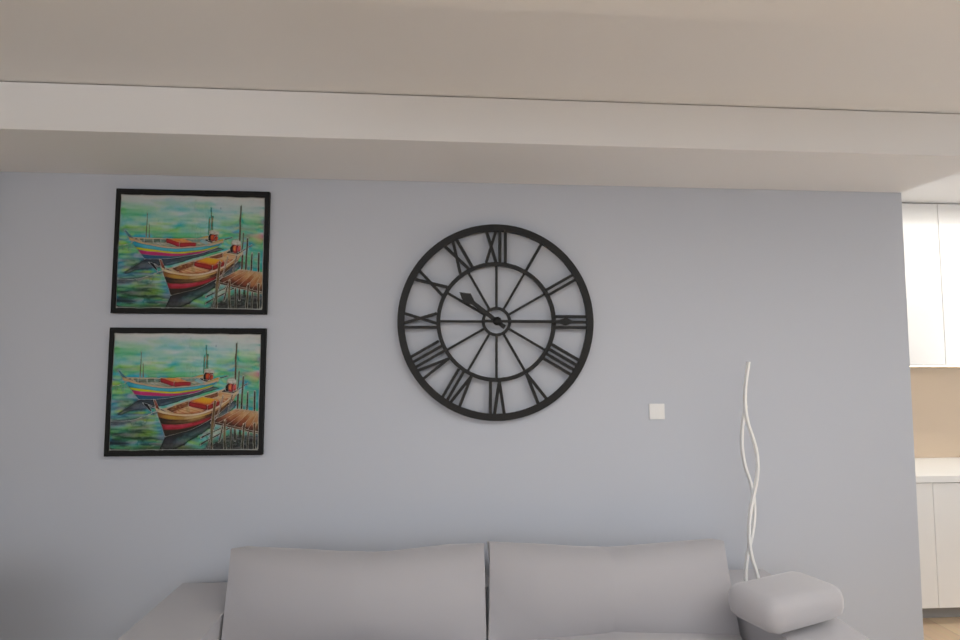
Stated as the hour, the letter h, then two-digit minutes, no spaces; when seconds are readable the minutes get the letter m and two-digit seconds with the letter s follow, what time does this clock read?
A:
10h15
